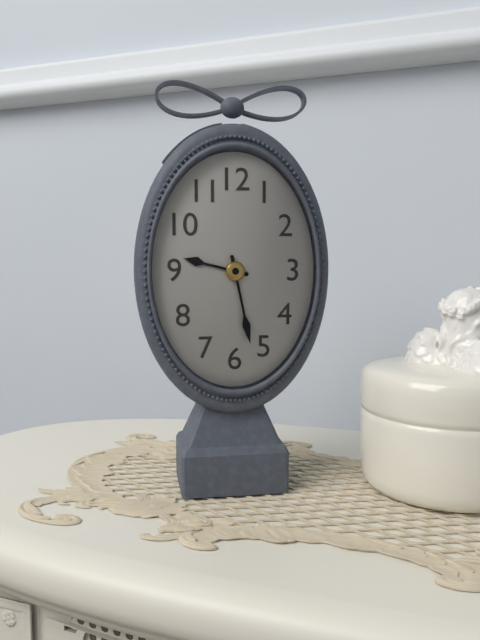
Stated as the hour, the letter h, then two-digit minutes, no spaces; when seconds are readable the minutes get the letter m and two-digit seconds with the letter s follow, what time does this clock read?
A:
9h28
